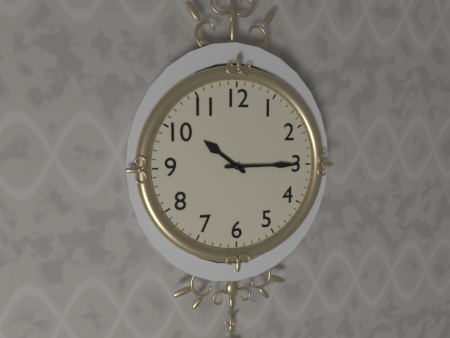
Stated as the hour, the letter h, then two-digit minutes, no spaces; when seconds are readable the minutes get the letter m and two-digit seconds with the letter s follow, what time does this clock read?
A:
10h15
